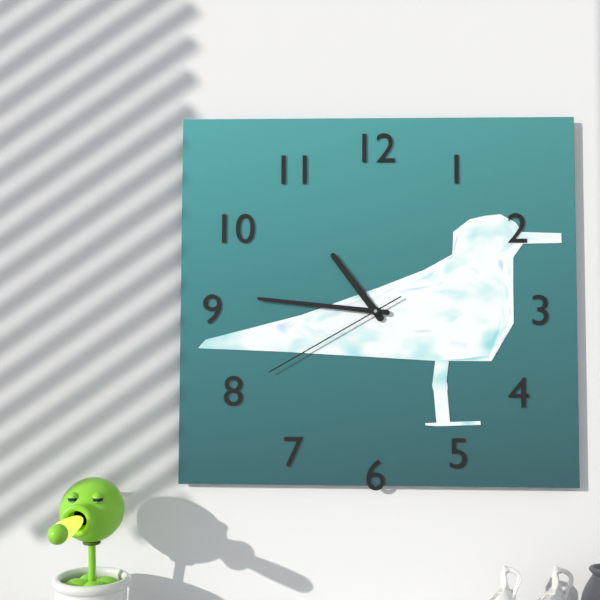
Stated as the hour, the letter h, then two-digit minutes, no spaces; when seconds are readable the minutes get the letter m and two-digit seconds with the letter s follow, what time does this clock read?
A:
10h46m40s
